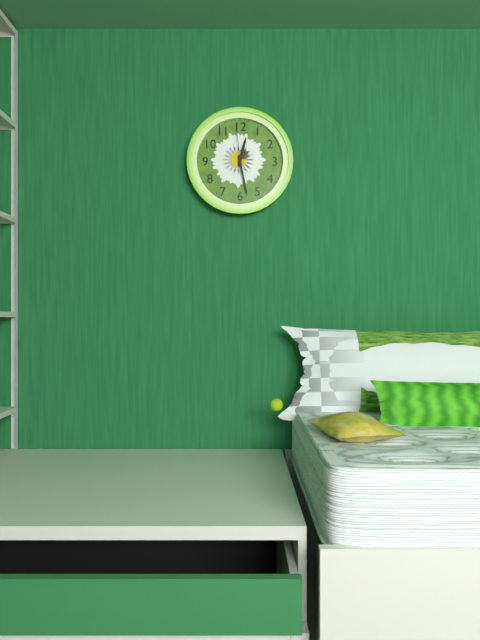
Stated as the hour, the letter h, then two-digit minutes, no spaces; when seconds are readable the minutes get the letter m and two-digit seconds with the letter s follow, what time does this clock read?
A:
12h28
